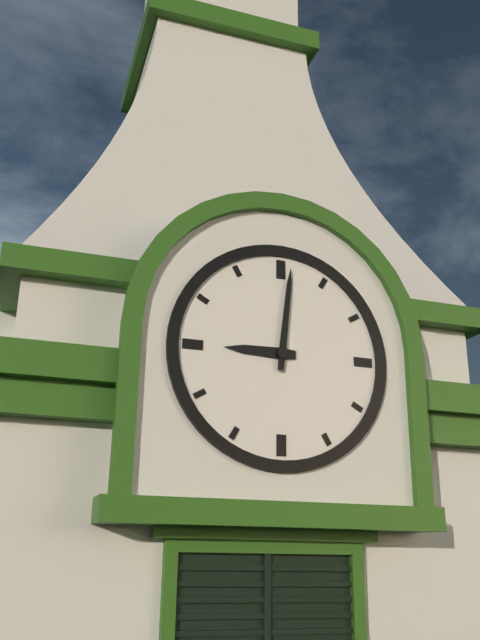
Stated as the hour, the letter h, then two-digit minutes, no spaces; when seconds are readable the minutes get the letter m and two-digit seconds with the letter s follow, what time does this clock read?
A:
9h01
